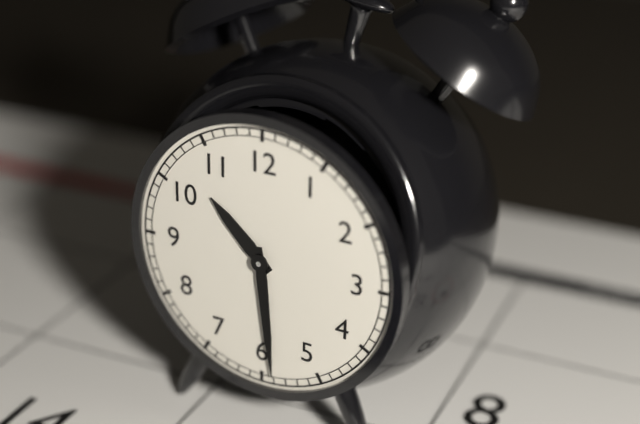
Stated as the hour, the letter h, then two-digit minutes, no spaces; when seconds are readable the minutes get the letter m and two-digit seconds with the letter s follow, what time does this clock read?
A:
10h29
